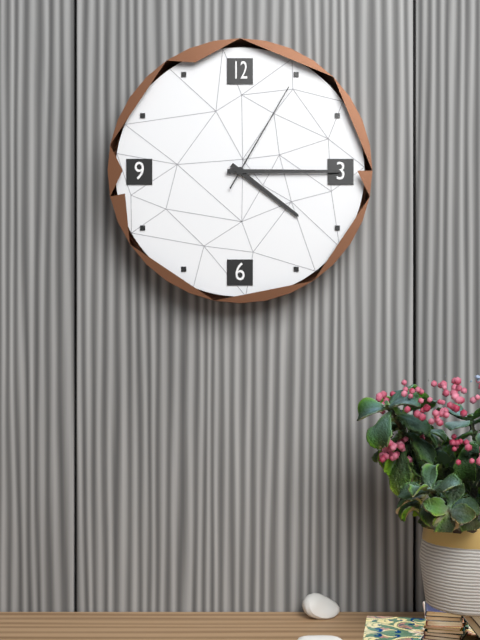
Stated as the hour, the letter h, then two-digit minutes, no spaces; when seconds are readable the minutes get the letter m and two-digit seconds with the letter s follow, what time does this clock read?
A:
4h15m05s
